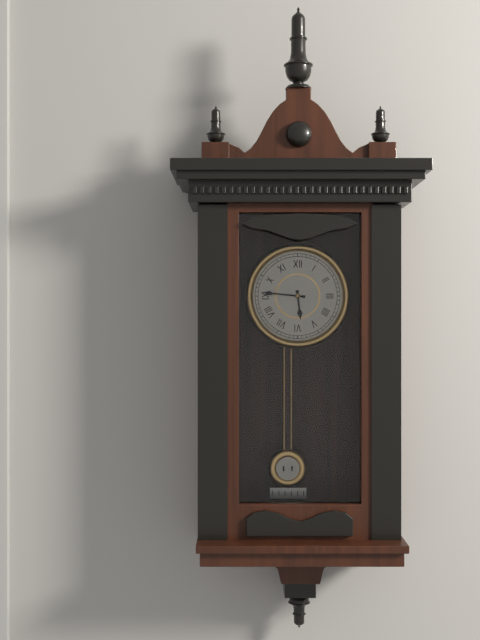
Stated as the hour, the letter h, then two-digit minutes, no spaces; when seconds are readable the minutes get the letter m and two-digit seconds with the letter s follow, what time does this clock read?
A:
5h46
